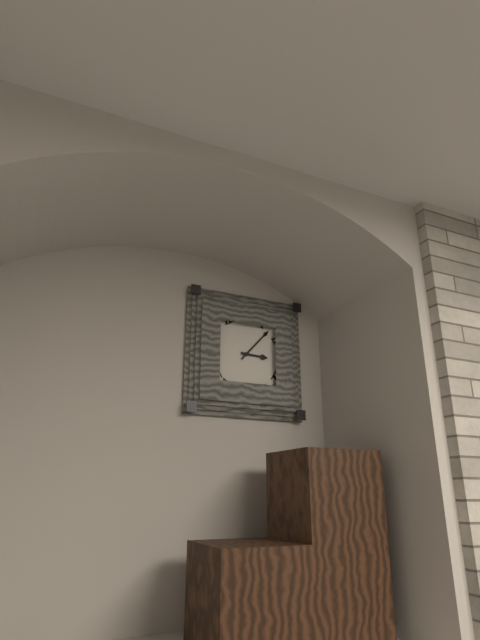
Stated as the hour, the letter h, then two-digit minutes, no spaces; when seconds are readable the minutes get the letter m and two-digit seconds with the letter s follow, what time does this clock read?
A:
3h07
